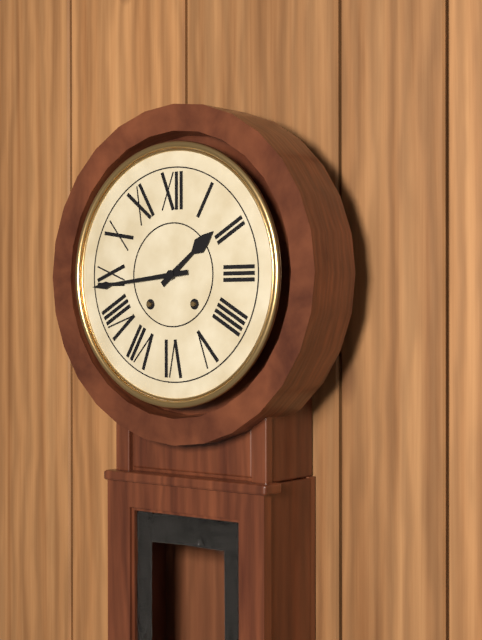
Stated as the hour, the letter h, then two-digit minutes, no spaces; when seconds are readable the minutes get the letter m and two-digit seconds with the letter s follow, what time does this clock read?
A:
1h44
